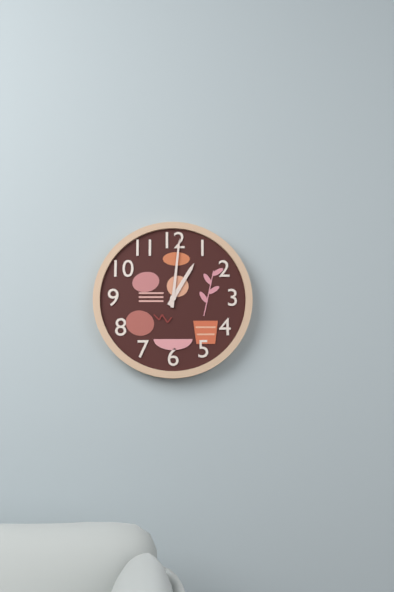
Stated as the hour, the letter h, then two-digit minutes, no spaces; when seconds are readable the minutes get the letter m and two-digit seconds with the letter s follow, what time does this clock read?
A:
1h01
